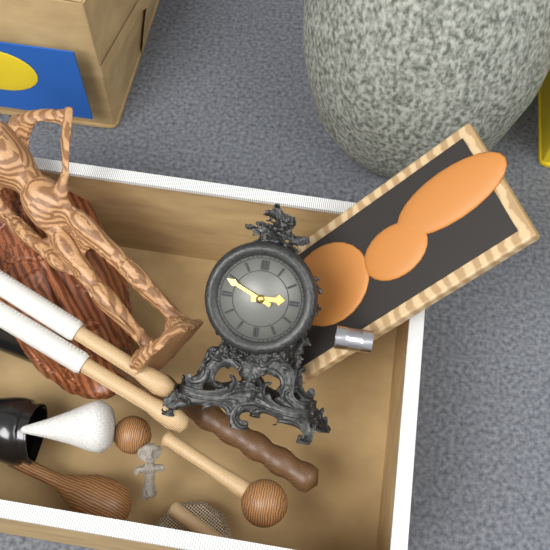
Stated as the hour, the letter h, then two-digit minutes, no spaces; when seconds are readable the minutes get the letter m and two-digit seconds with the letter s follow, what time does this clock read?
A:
2h49
